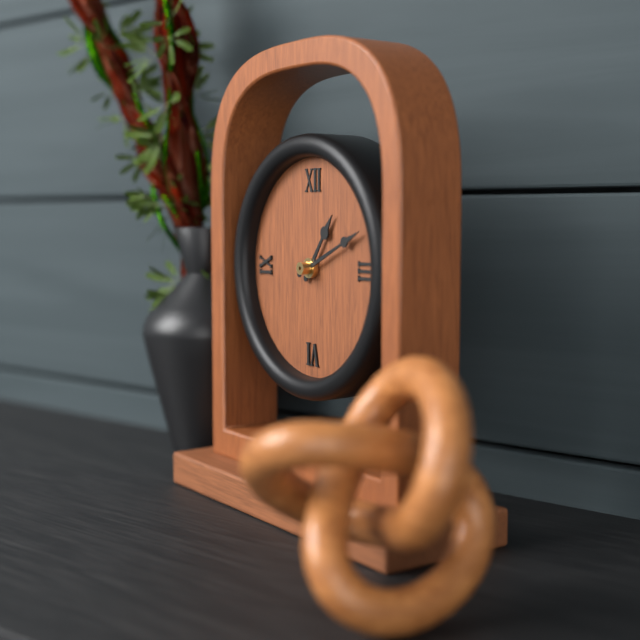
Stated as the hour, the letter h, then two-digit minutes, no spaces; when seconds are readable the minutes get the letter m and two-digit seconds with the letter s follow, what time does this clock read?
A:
1h11
